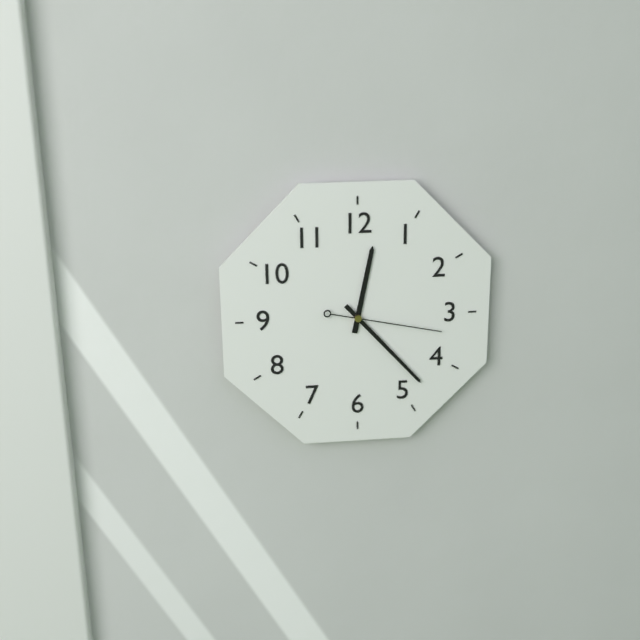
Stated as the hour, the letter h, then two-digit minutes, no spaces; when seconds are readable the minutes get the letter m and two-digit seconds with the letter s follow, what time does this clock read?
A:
12h23m17s
